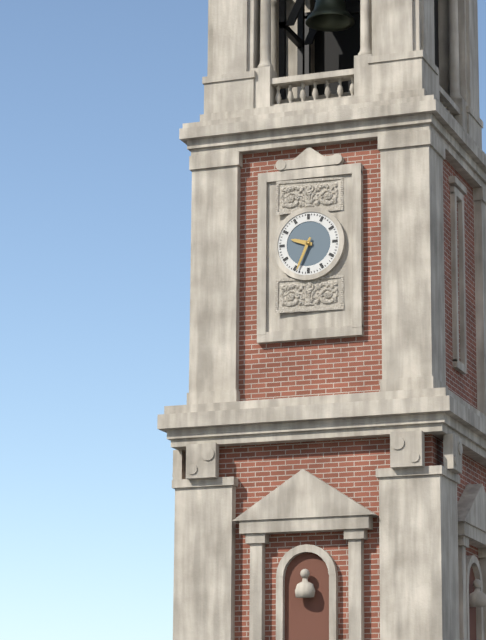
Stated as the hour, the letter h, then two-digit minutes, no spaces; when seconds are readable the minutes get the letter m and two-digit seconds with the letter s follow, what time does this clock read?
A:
9h34
